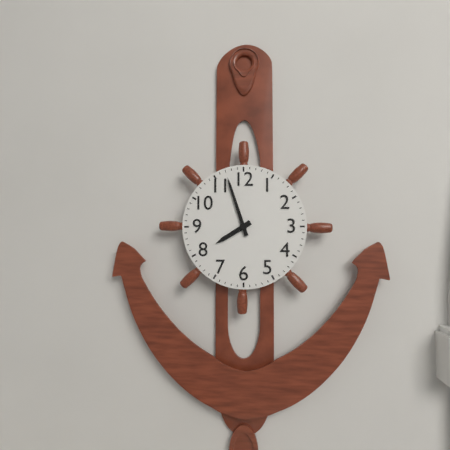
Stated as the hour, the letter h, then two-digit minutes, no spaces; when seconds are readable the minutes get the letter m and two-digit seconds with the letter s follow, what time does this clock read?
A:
7h57
